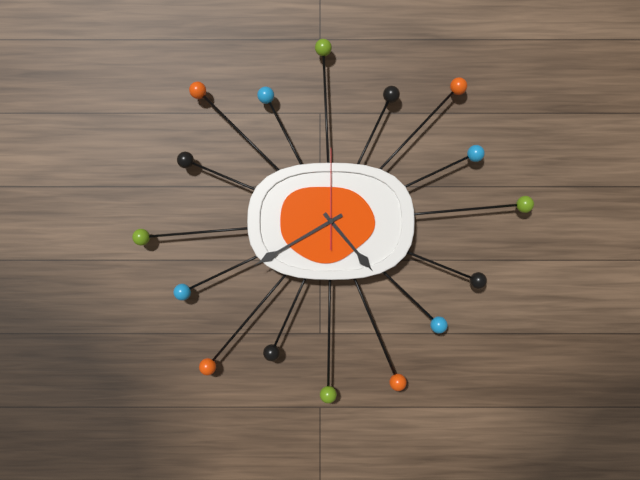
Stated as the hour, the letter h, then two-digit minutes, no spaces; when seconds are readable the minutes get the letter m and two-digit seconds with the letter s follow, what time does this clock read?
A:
4h40m00s
